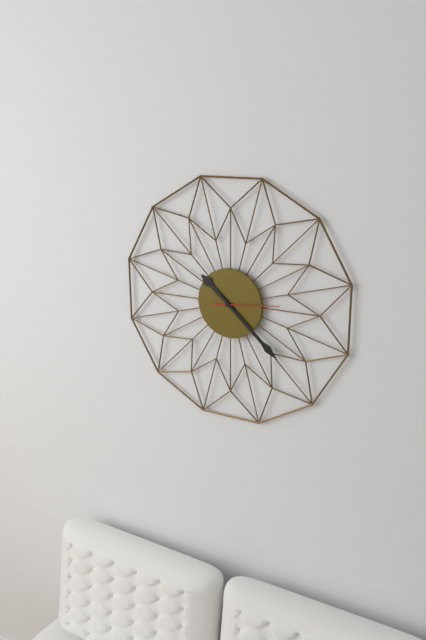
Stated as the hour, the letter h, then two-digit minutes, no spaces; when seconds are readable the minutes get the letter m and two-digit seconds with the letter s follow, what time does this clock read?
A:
10h22m14s
